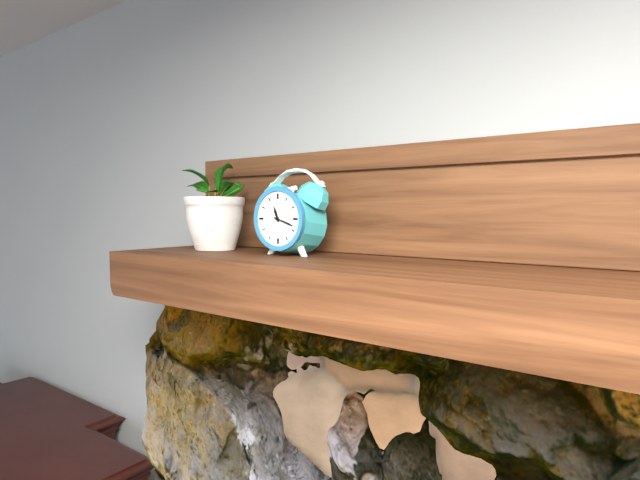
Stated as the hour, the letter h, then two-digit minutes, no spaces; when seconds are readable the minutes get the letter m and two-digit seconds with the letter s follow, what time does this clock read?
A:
11h18
